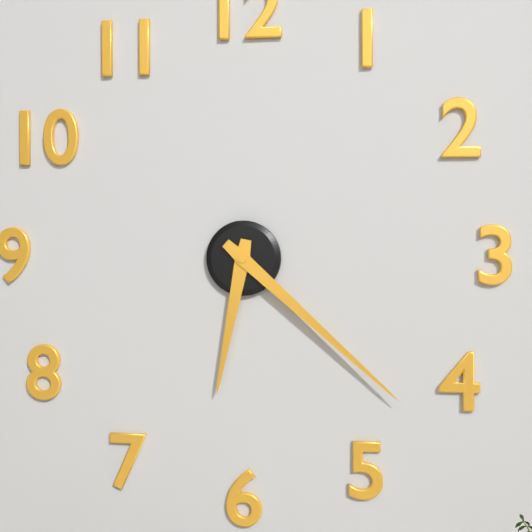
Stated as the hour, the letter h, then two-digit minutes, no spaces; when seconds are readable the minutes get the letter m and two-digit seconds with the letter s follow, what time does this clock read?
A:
6h22
